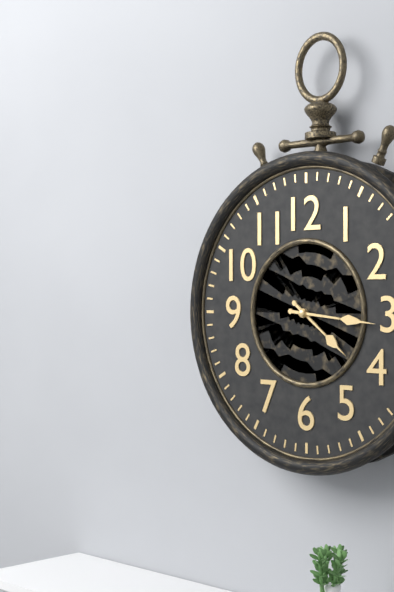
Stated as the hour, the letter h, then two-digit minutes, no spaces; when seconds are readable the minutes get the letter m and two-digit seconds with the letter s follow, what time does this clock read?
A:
4h16
